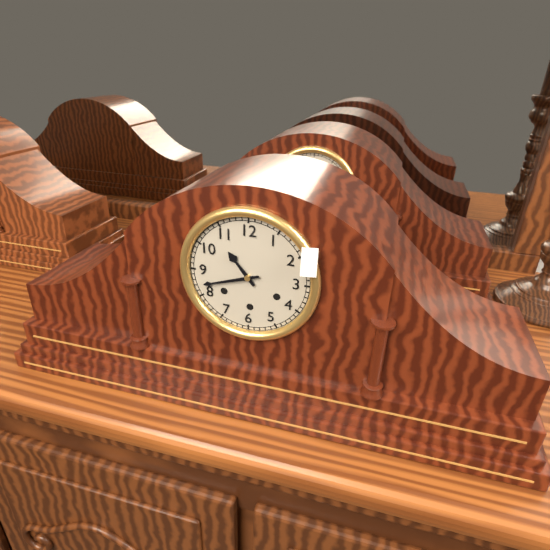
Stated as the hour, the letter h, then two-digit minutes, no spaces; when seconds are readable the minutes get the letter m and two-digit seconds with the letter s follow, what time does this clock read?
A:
10h42
